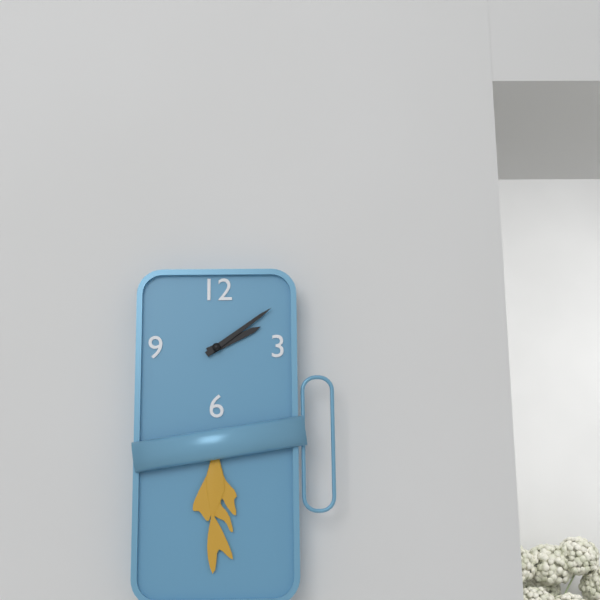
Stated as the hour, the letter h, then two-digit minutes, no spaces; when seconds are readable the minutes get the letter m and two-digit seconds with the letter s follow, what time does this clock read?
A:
2h09
